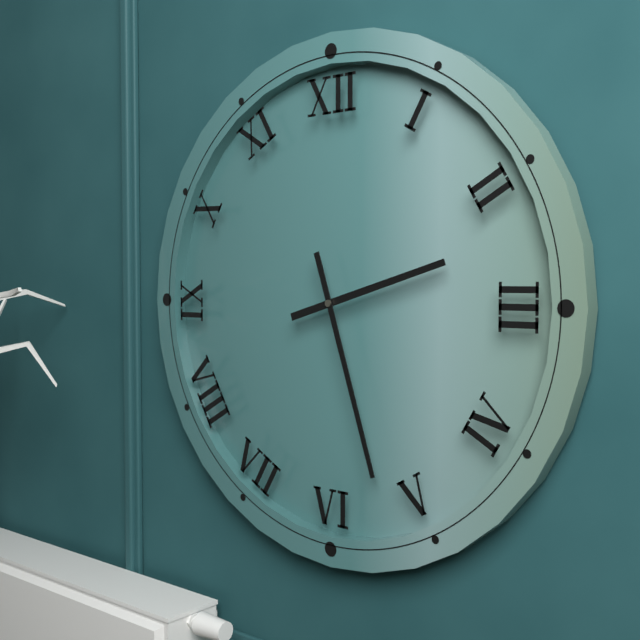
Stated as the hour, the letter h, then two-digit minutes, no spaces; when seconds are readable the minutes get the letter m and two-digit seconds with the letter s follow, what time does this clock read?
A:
2h27
